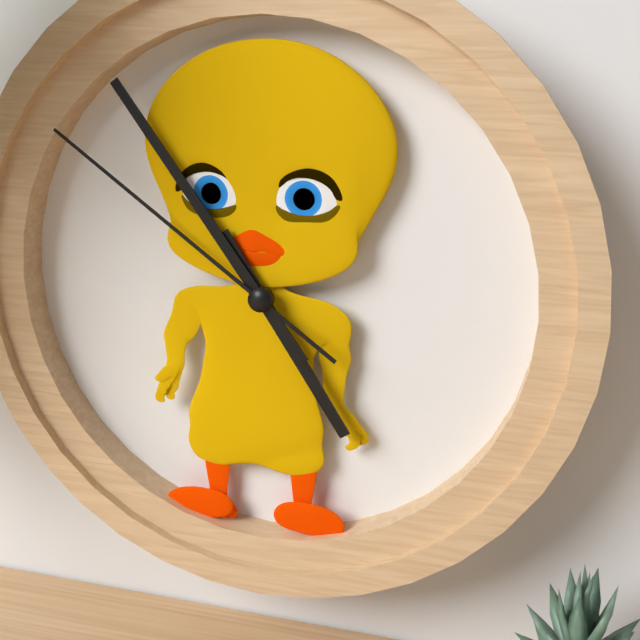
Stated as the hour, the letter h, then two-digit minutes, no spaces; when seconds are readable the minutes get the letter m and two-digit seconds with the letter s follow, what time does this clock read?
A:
4h54m51s
